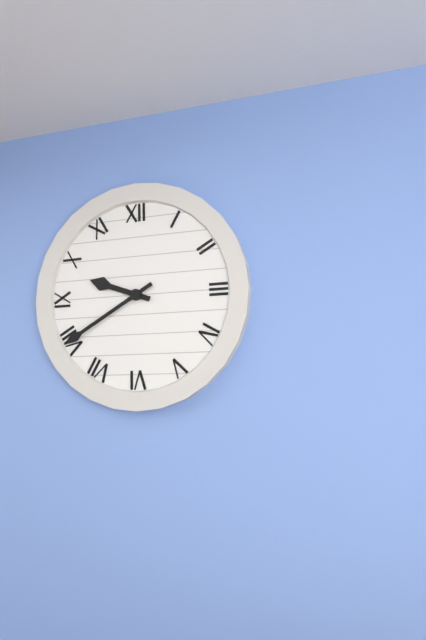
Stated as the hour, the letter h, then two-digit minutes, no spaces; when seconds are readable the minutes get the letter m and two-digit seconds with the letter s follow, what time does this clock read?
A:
9h40
